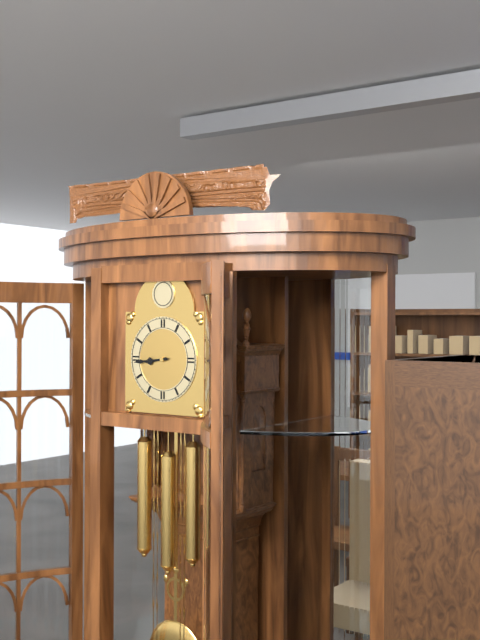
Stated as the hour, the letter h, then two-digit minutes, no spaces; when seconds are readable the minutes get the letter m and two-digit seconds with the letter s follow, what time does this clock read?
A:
8h44
